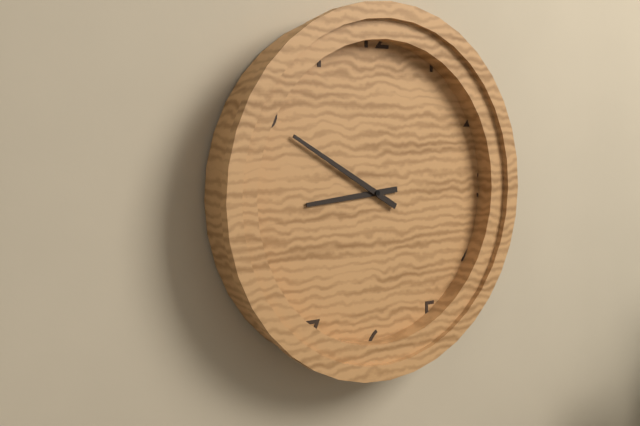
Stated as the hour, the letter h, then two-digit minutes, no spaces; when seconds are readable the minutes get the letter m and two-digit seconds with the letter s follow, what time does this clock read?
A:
8h50
